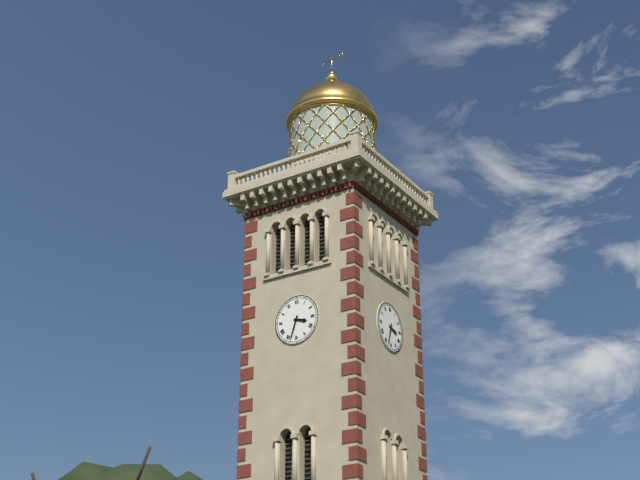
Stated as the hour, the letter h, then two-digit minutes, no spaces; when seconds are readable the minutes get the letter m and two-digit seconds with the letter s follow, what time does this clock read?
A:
3h33
